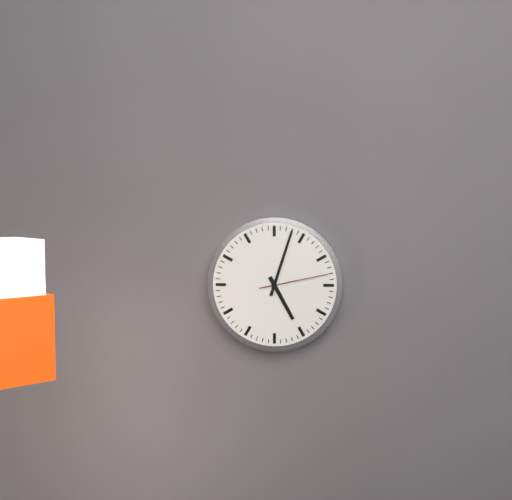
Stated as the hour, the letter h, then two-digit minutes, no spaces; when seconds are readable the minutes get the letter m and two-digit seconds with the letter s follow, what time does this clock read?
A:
5h03m13s
